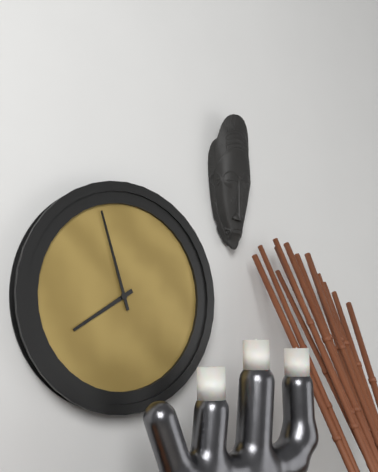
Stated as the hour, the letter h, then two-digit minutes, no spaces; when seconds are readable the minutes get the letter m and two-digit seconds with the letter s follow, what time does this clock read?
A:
7h57
